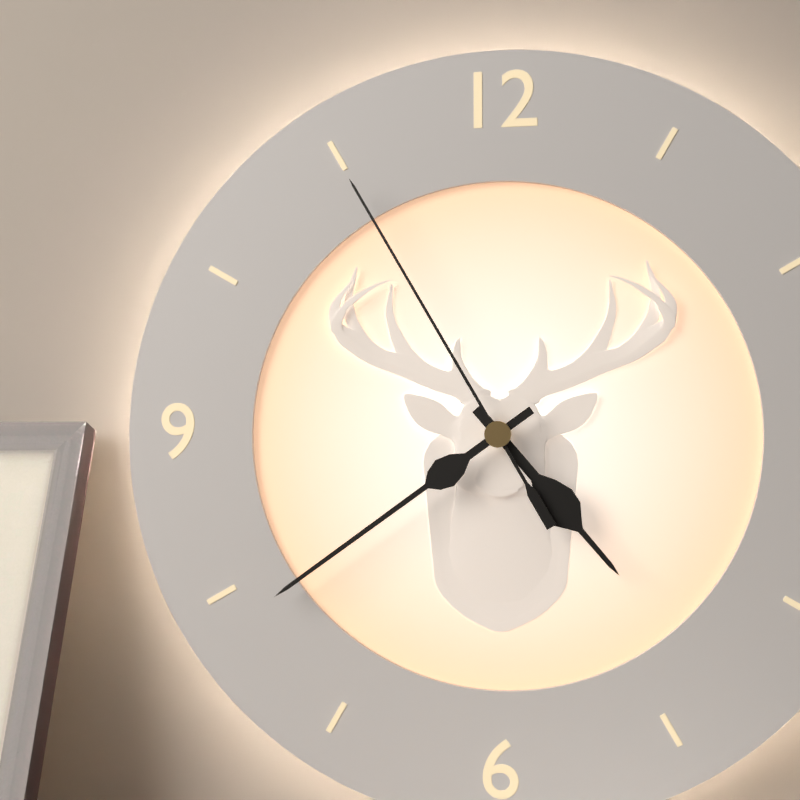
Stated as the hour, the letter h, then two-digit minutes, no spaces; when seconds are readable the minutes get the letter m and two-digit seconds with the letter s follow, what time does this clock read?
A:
4h39m55s
